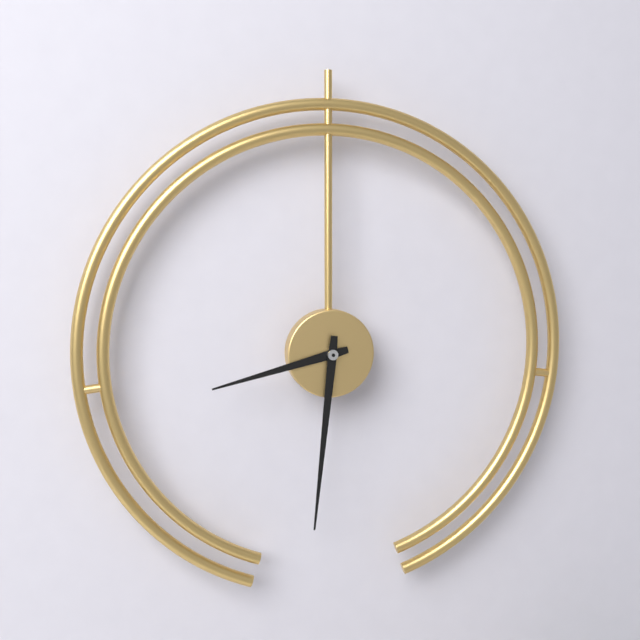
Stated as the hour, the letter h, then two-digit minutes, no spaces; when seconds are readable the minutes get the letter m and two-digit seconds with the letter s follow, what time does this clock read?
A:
8h31
